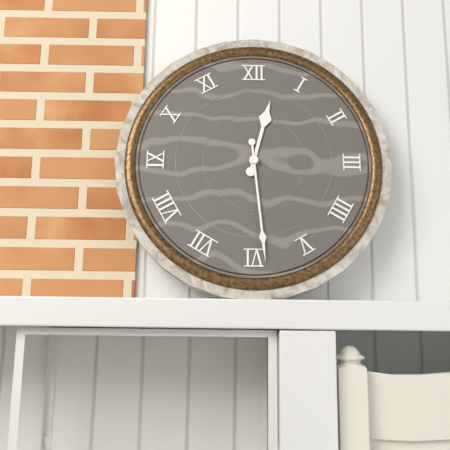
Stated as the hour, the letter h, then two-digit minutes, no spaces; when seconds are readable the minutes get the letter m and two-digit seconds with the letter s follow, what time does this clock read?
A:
12h29
